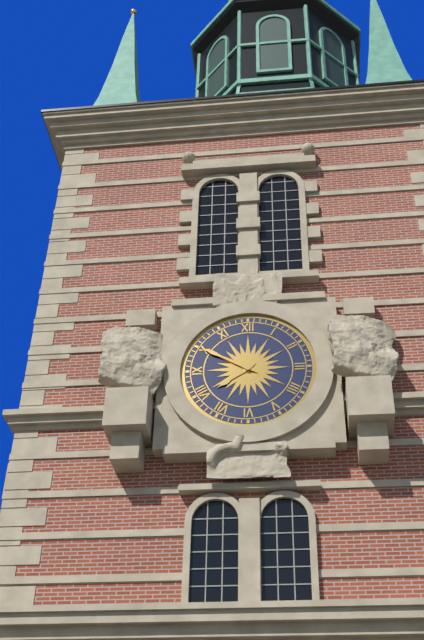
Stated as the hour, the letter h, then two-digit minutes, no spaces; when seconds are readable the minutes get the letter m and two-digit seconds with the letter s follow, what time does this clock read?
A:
7h50
